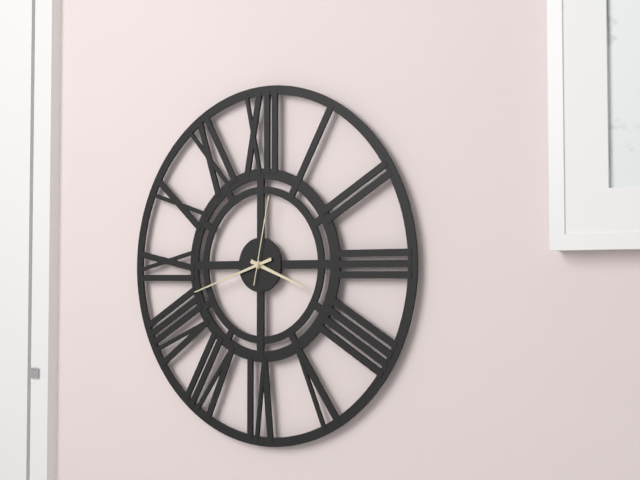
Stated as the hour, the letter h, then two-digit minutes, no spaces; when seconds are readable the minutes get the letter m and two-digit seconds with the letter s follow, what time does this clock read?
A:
3h42m02s
